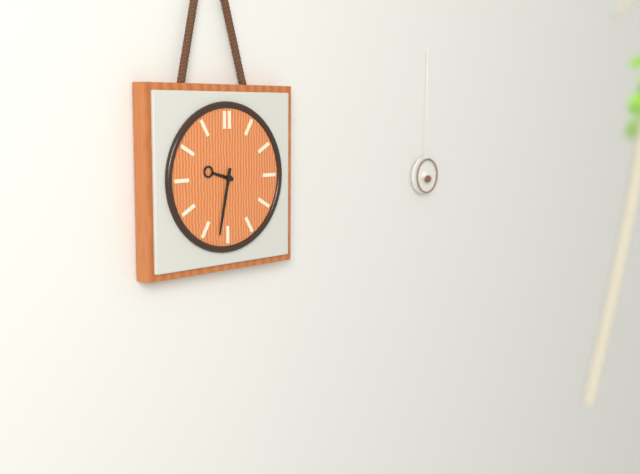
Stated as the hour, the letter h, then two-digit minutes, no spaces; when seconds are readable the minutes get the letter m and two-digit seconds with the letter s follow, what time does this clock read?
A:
9h32
